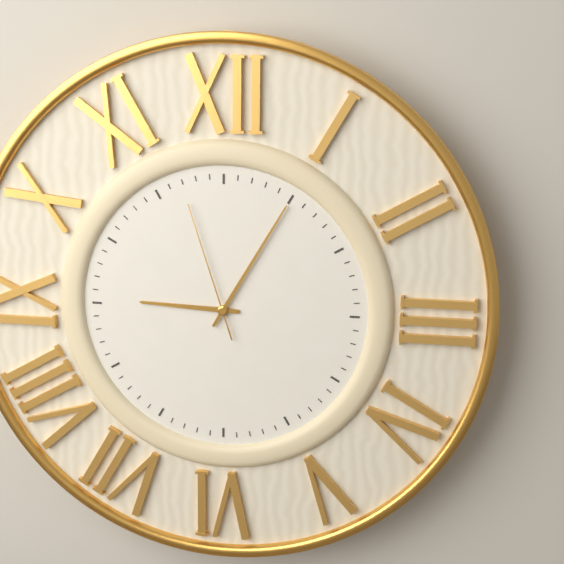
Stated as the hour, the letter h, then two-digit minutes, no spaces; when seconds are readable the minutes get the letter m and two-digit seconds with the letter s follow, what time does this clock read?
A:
9h05m57s
